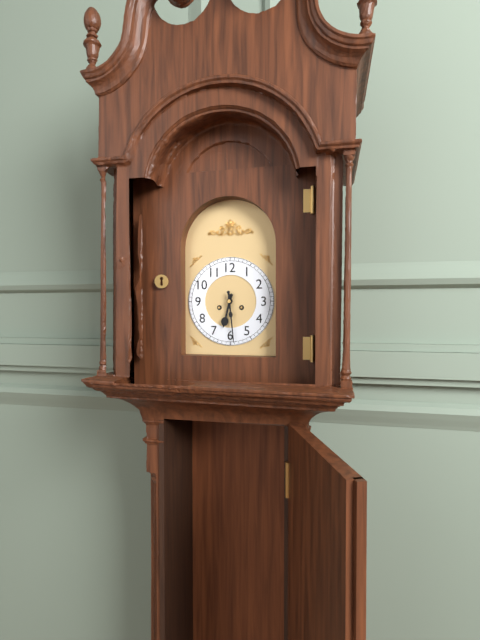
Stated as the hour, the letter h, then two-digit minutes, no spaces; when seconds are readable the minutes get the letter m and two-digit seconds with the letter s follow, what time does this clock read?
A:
6h29
